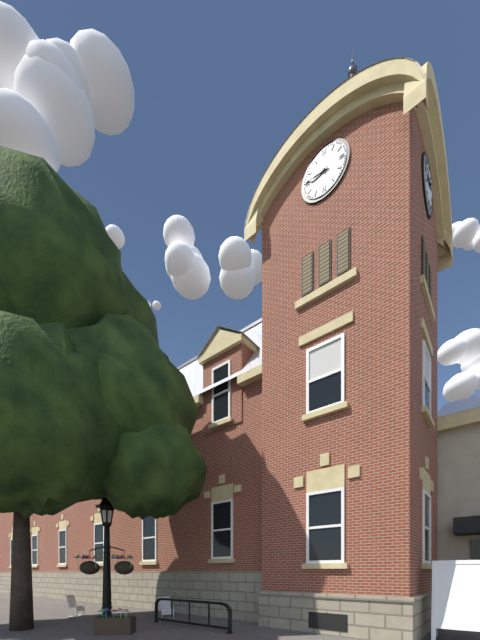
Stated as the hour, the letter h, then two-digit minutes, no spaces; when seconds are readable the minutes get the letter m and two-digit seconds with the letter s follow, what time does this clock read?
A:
8h46
